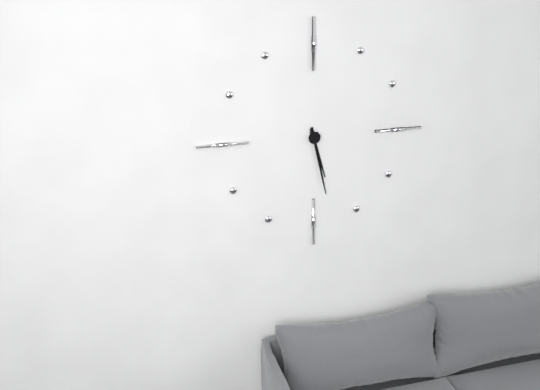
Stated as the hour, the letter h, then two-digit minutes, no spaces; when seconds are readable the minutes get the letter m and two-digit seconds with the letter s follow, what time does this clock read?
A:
5h28
